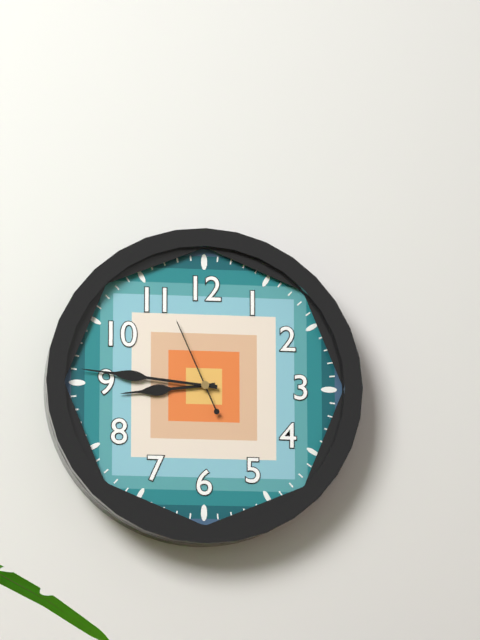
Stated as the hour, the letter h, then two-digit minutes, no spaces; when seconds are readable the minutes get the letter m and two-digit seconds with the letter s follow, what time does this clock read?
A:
8h46m56s
